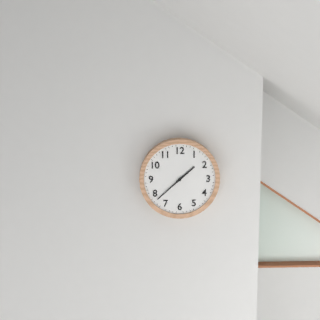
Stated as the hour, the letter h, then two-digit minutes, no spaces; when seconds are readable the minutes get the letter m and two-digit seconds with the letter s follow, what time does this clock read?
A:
1h38
